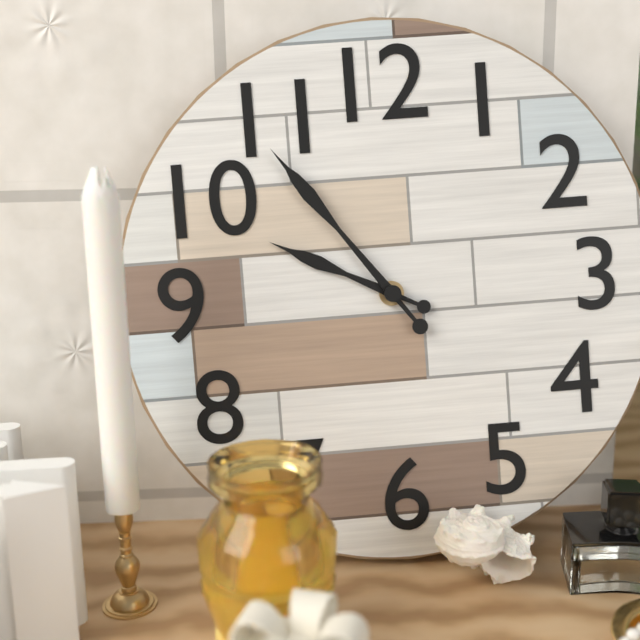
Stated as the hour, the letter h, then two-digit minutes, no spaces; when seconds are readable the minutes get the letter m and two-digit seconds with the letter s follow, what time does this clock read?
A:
9h54
